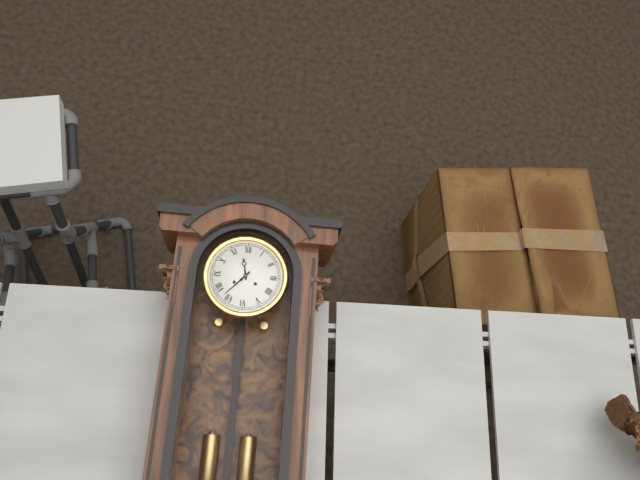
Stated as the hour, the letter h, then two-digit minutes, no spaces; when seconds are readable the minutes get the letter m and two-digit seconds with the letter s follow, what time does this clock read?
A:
11h37
